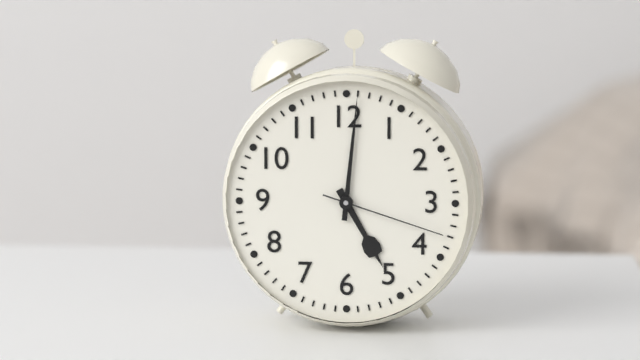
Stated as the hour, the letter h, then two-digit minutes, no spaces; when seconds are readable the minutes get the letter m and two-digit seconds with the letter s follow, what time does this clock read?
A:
5h01m18s
